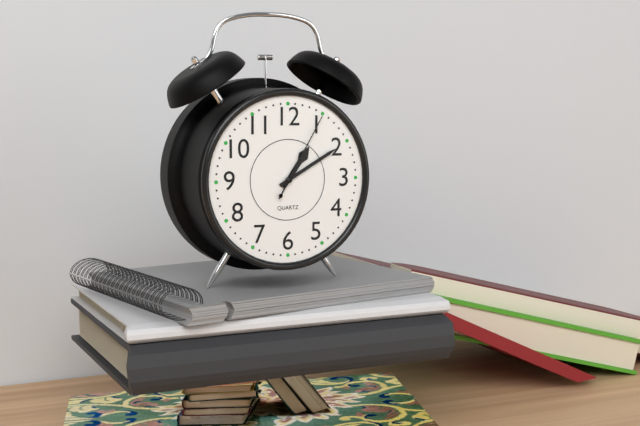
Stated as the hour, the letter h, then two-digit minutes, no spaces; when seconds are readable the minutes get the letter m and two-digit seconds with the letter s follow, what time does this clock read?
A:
1h10m05s
